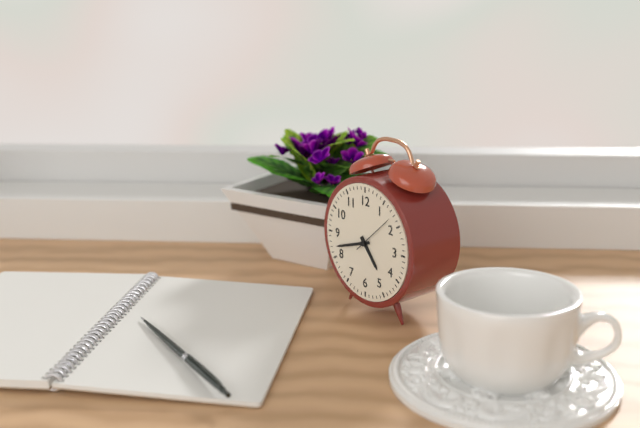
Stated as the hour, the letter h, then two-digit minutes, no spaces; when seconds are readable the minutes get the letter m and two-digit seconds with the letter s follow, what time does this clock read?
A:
4h42
